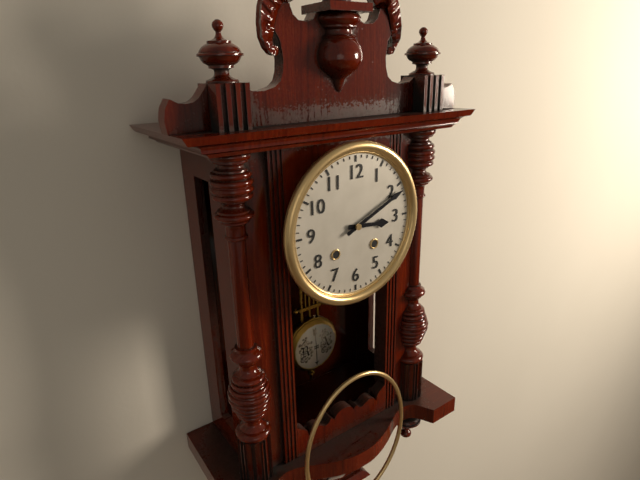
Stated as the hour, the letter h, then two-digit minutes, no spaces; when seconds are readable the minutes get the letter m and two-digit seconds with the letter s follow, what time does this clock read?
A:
3h11
